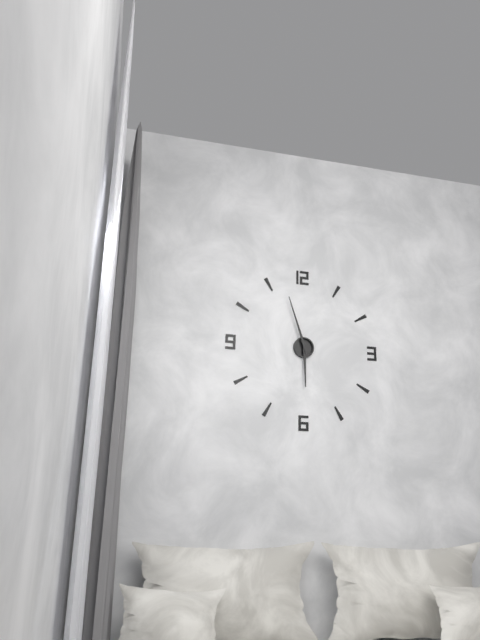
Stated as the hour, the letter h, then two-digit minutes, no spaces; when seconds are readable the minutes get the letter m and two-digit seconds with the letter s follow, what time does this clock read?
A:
5h57
